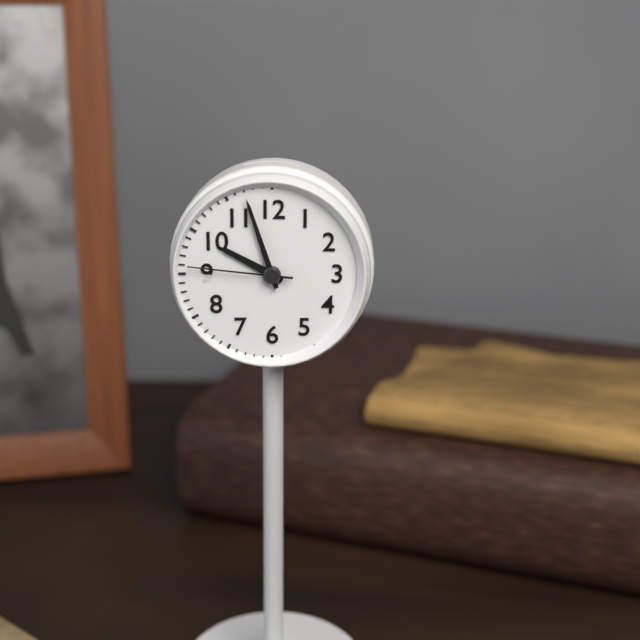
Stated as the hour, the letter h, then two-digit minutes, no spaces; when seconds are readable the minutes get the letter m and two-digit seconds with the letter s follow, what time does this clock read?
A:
9h57m46s
